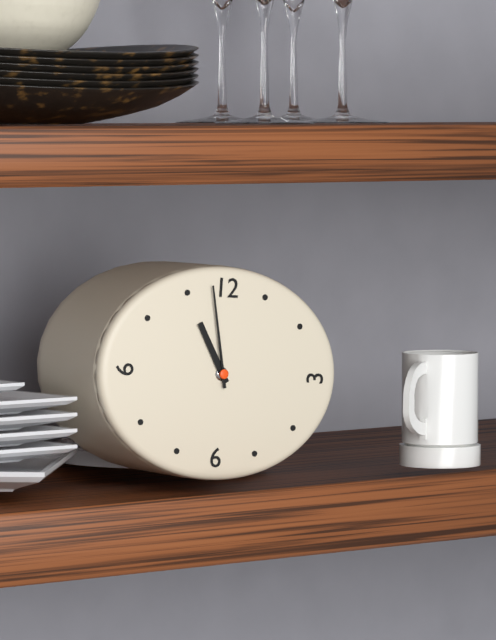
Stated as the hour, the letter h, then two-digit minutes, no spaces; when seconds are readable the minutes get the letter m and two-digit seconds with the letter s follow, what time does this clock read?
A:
10h58
